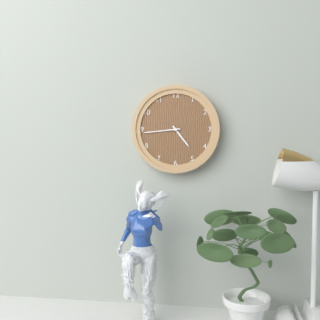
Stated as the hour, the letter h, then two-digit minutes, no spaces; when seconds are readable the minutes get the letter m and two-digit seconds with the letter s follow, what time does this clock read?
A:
4h44
